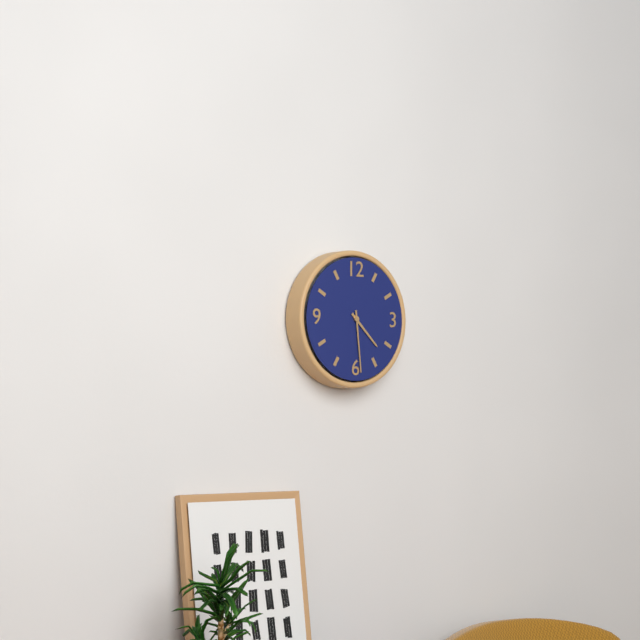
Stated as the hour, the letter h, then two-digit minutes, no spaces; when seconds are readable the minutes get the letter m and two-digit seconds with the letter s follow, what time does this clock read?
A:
4h29
